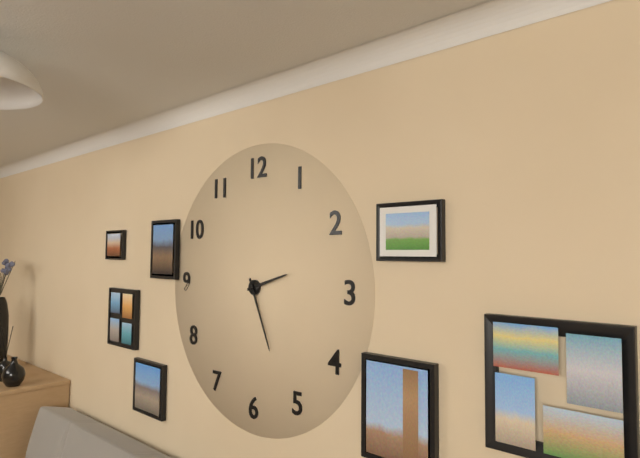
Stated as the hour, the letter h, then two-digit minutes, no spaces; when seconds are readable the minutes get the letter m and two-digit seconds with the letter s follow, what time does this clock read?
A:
2h26
